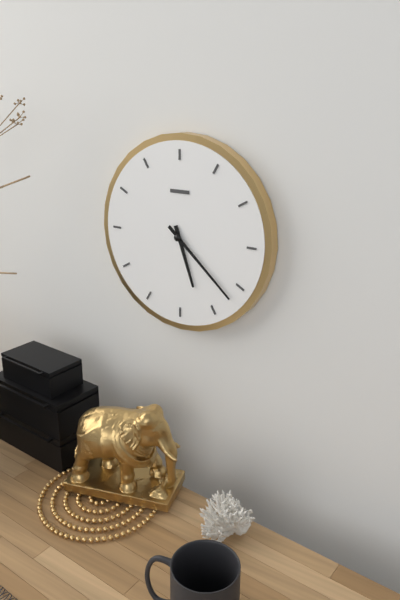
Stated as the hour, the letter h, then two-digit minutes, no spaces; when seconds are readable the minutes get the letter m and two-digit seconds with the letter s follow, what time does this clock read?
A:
5h22
